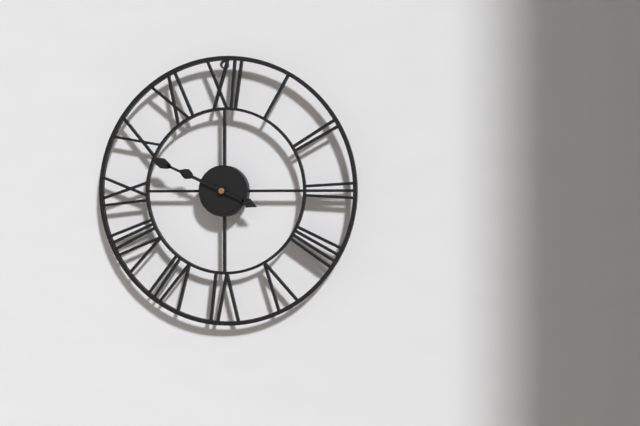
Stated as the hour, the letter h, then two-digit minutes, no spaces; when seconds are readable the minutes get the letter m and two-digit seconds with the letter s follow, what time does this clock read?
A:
9h49
